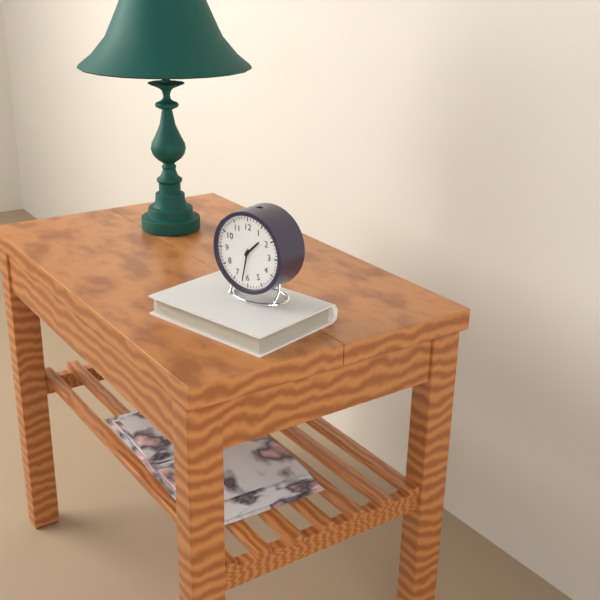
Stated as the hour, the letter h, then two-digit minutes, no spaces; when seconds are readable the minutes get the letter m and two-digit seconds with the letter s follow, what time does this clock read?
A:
1h32
